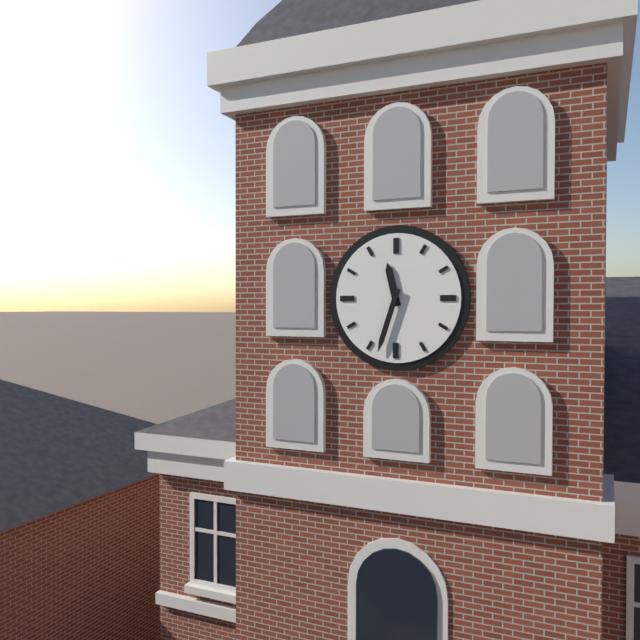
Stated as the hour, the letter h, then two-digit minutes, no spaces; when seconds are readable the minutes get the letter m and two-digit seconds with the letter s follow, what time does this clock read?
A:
11h33
